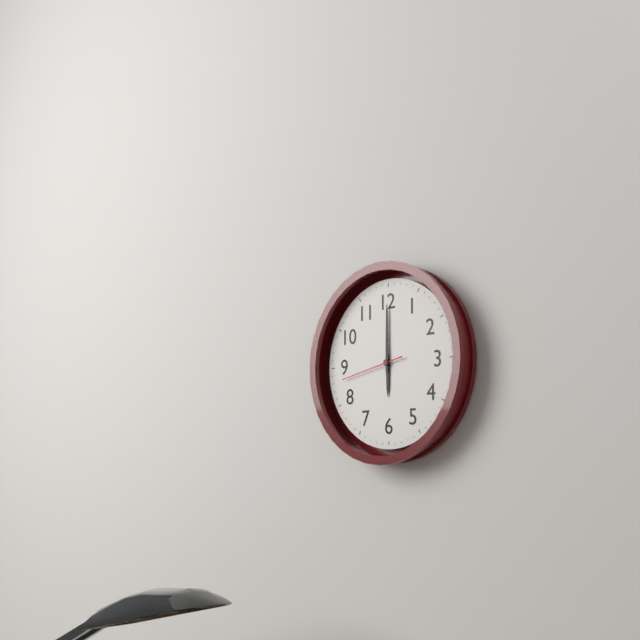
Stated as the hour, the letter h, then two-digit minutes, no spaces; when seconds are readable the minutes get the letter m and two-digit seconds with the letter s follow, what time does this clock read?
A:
6h00m43s
